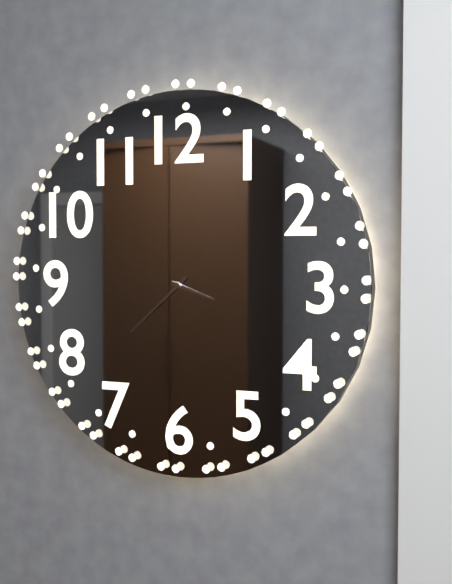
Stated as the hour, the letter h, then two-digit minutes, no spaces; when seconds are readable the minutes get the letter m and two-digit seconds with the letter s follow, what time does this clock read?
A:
3h38
